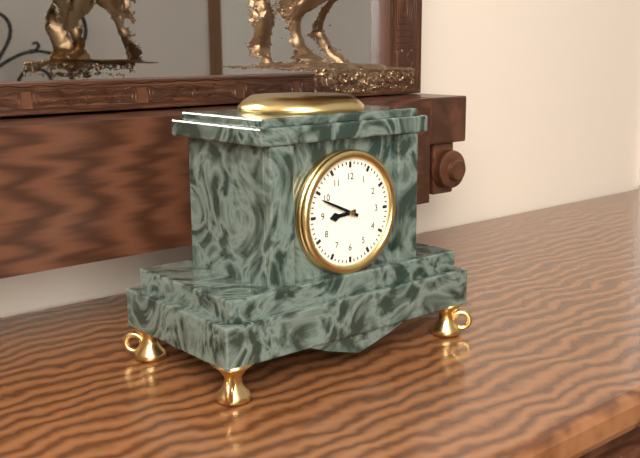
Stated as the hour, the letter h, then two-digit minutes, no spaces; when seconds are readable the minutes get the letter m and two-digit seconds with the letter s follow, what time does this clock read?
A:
8h49
